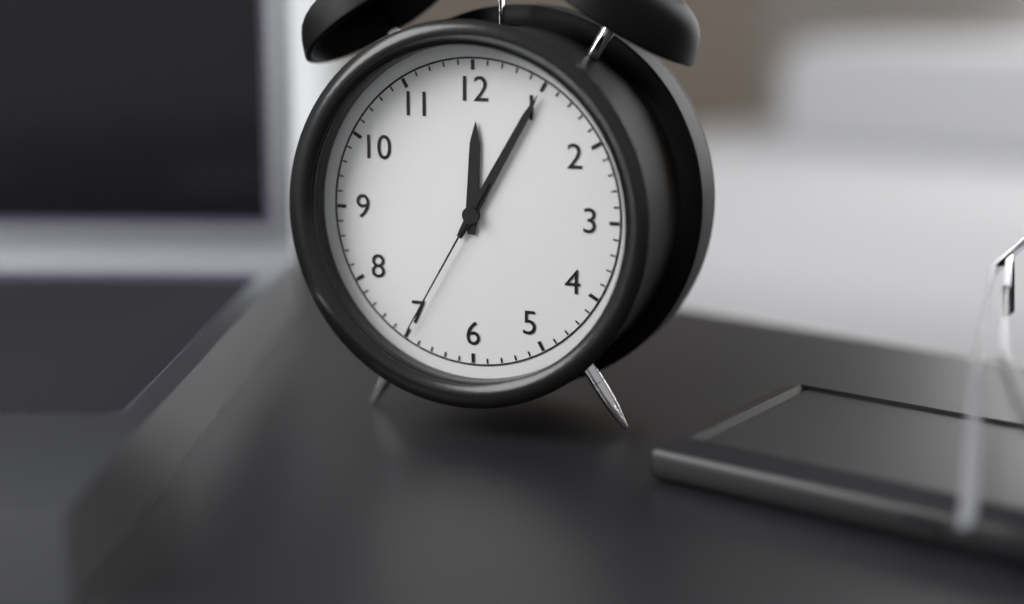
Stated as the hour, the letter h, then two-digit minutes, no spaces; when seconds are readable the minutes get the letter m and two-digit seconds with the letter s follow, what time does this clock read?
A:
12h05m35s
